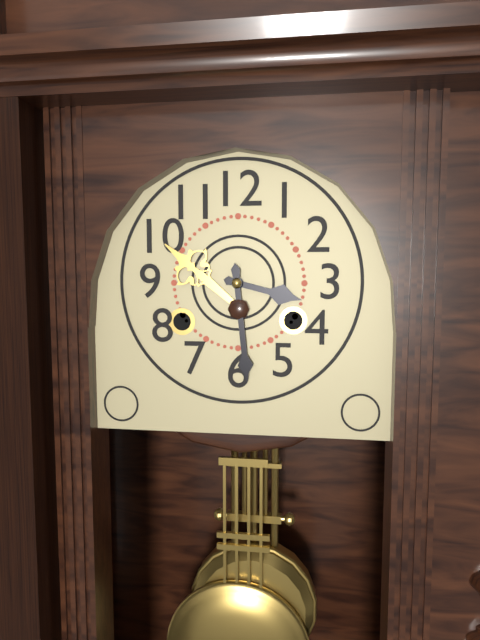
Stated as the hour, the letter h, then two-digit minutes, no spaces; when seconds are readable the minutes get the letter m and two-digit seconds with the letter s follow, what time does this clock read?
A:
3h29
